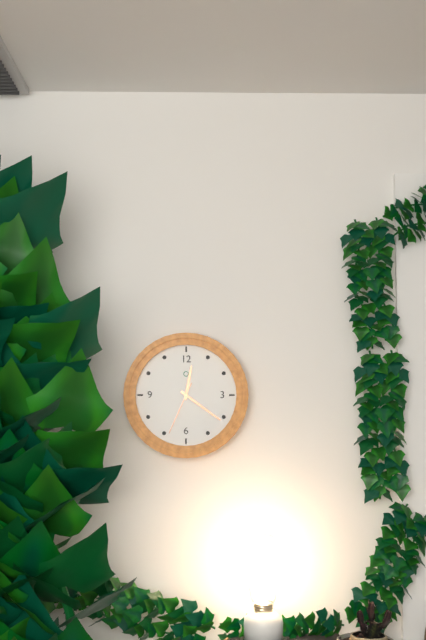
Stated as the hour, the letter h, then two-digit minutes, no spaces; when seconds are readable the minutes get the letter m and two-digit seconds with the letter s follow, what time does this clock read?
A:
12h21m34s
